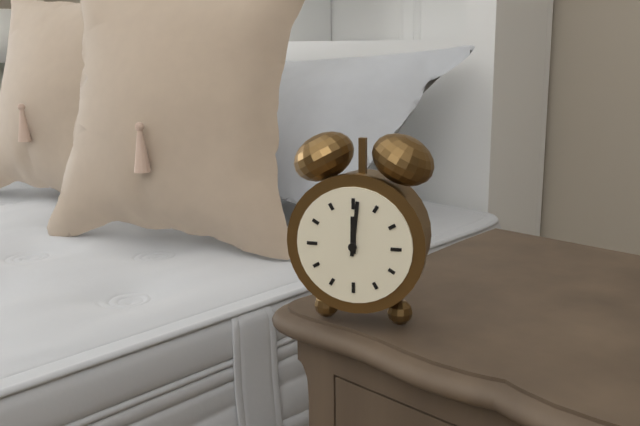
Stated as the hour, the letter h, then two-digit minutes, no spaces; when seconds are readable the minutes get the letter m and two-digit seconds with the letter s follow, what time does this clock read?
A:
12h01
